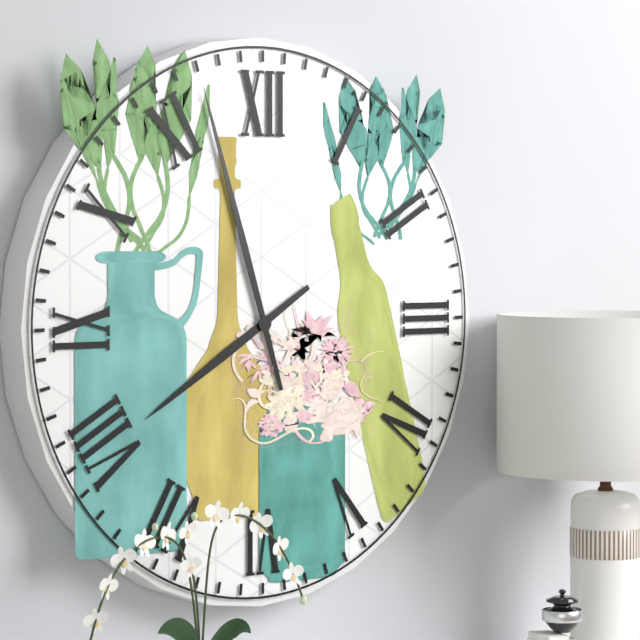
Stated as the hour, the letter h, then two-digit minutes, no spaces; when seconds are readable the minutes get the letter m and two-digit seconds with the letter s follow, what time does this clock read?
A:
7h57
